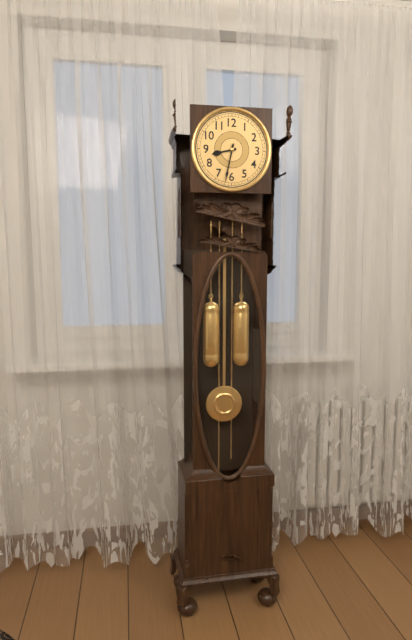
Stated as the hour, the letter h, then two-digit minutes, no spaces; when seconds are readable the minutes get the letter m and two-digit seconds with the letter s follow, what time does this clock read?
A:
8h32
